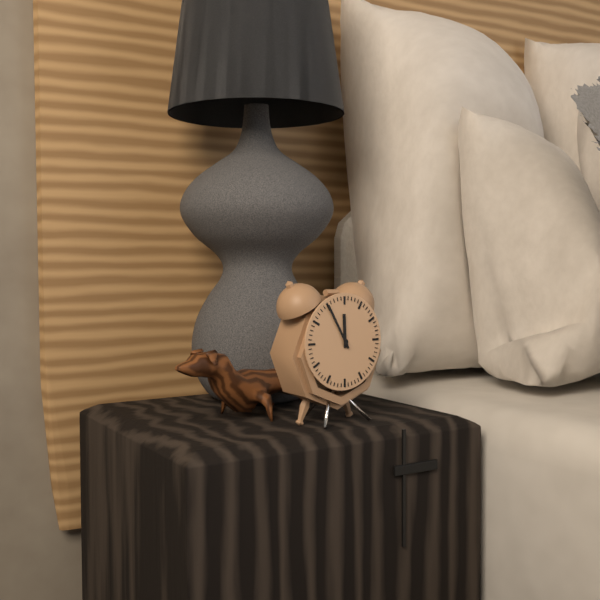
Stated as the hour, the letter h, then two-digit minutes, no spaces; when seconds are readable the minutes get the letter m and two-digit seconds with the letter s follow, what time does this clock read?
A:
11h55
